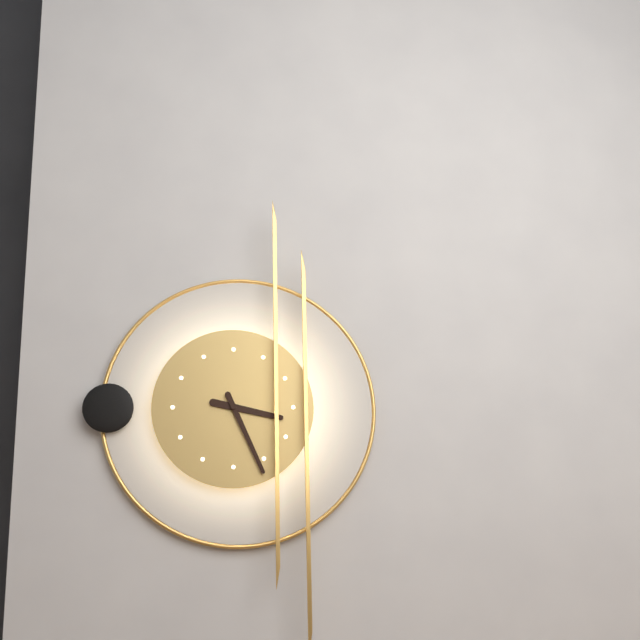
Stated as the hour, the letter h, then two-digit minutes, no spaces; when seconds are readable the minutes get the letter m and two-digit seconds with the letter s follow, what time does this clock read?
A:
3h26
